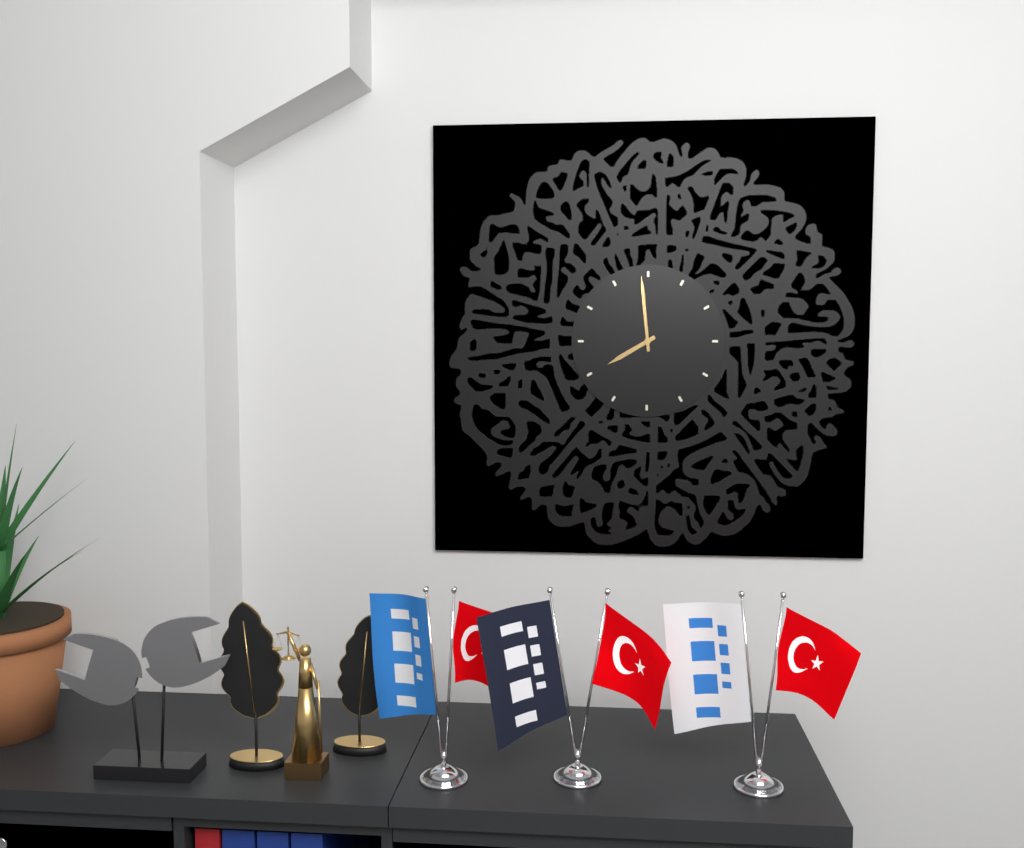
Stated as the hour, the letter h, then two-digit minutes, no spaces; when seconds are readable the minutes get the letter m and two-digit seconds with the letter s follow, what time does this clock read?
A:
7h59
